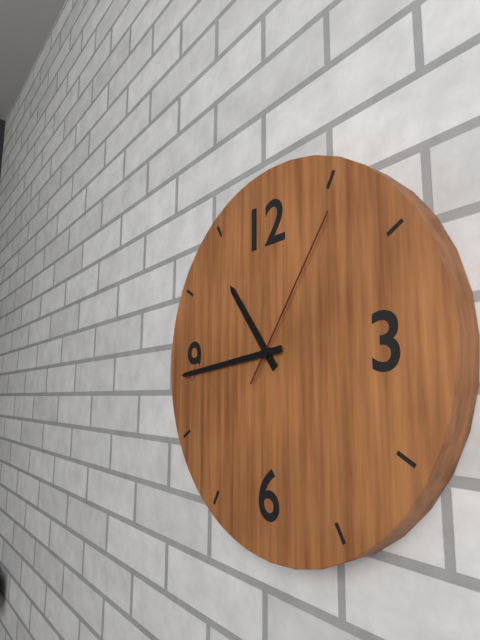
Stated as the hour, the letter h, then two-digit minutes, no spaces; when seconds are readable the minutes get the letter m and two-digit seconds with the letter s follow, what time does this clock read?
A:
10h44m06s
